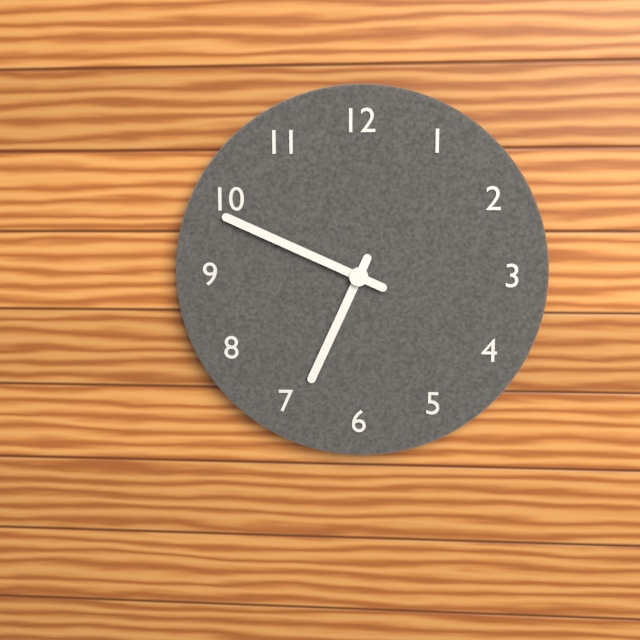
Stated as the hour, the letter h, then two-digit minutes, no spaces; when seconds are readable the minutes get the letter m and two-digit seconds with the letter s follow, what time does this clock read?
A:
6h49
